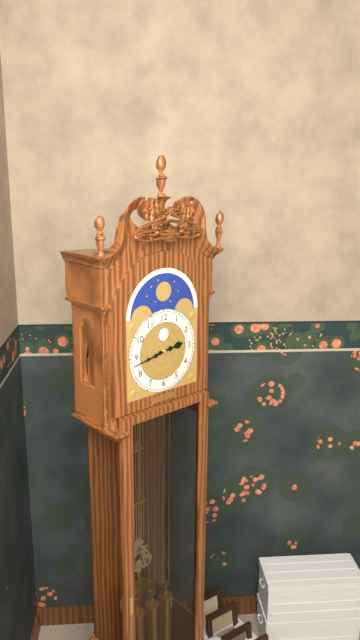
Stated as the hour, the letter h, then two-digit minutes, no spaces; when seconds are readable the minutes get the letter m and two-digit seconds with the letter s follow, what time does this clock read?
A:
2h43
